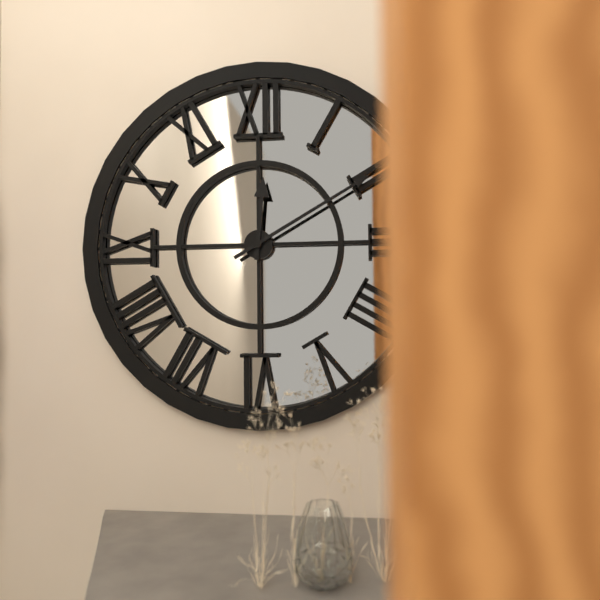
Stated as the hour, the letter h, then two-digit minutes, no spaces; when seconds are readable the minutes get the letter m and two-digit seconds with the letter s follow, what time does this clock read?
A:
12h10
